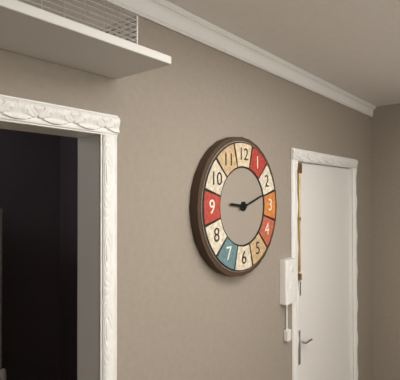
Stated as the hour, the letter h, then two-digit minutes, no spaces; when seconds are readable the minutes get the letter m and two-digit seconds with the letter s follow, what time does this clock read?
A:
9h12
